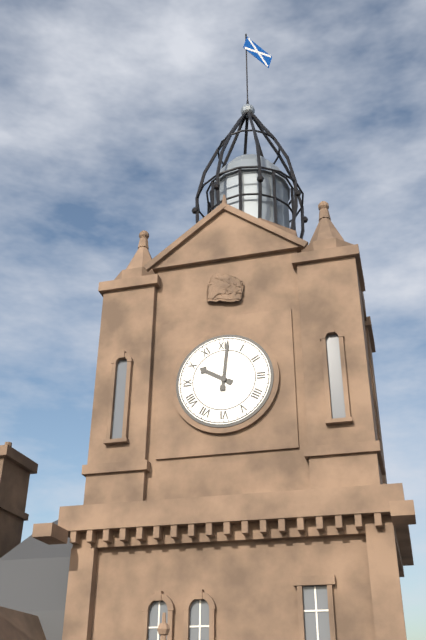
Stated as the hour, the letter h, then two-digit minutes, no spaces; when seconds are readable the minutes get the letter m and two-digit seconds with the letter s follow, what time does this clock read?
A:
10h01
